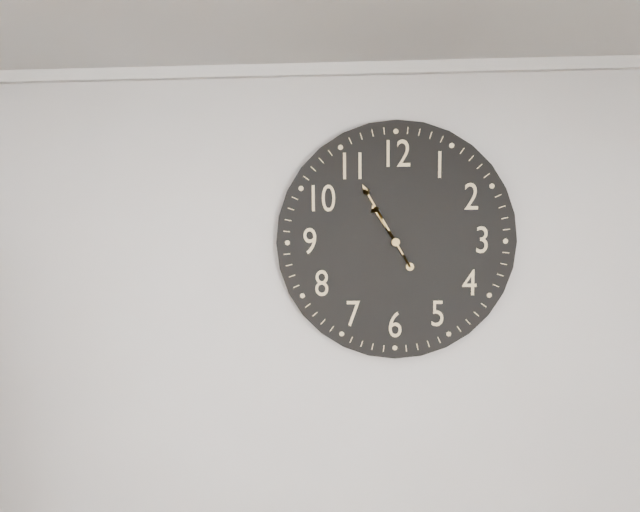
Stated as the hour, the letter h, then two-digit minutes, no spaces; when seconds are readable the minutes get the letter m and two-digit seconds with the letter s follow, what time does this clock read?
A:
10h55
